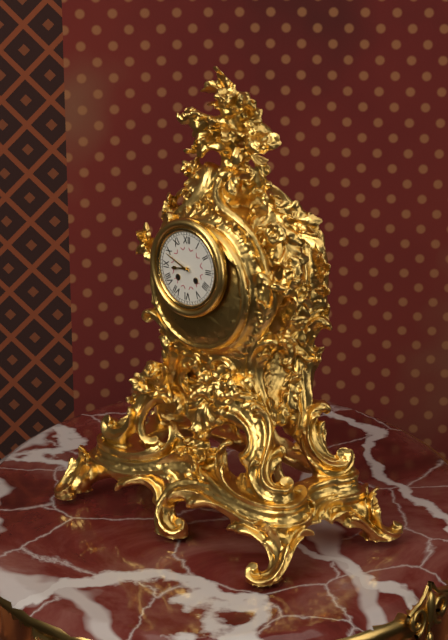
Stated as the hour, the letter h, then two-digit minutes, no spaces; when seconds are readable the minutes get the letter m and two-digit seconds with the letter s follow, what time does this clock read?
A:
8h49
